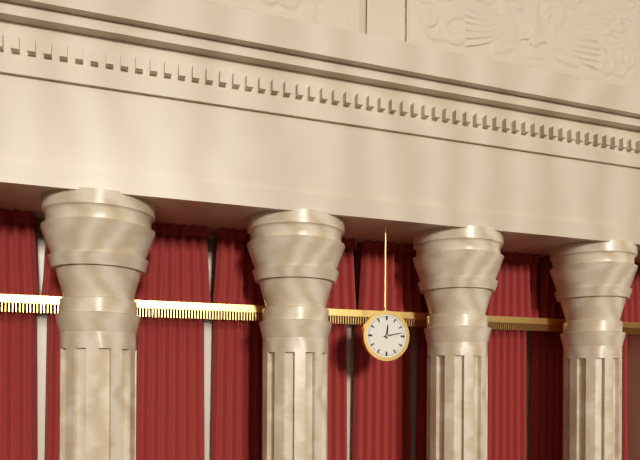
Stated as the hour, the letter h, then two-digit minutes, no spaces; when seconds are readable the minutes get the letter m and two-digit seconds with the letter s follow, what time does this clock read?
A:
12h13
